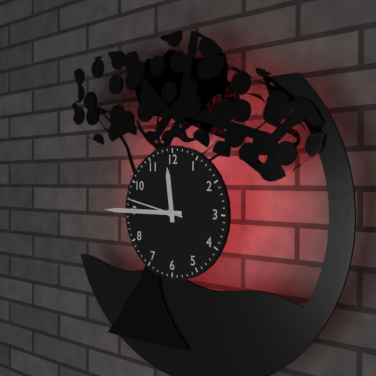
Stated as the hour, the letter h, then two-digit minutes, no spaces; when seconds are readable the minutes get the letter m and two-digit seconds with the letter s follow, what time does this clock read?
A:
11h45m47s
